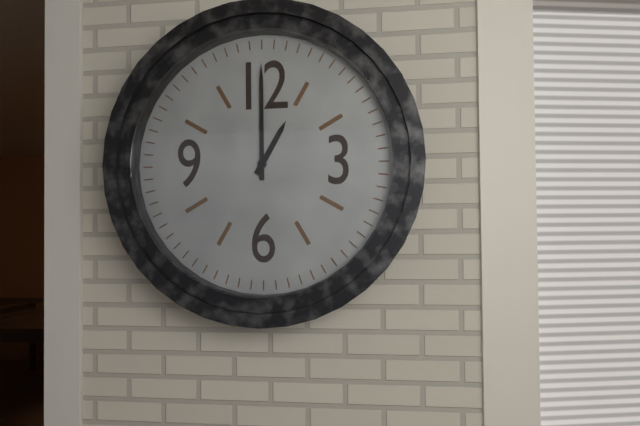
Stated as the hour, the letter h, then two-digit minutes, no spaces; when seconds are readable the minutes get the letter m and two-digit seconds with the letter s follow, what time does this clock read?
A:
1h00
